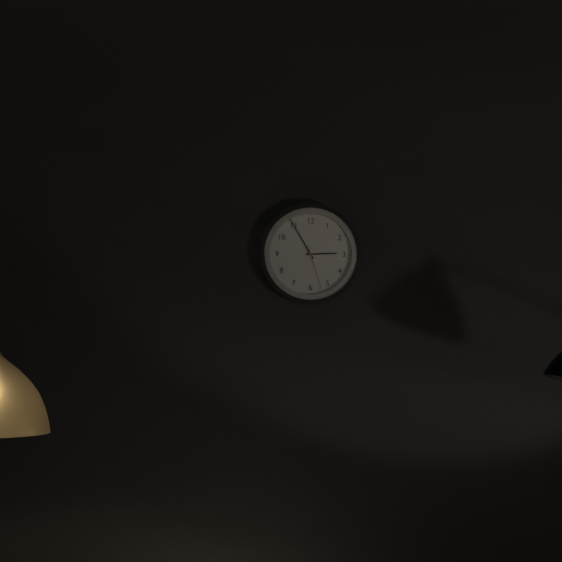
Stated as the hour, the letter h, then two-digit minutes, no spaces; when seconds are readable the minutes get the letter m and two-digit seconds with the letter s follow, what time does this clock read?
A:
2h55
